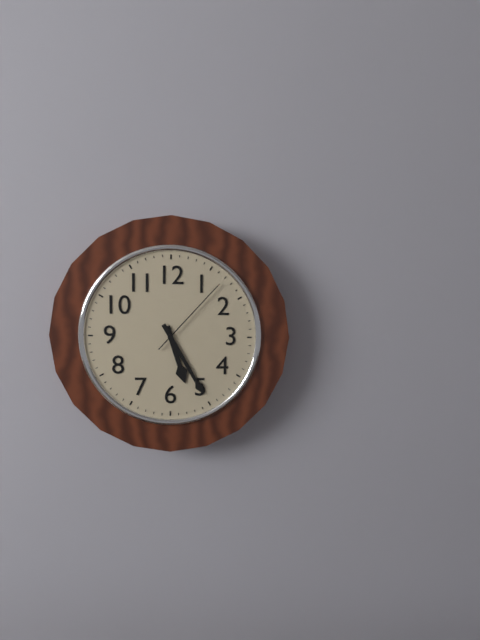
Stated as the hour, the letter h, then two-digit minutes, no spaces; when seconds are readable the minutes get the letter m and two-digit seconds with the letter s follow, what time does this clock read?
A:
5h25m07s
